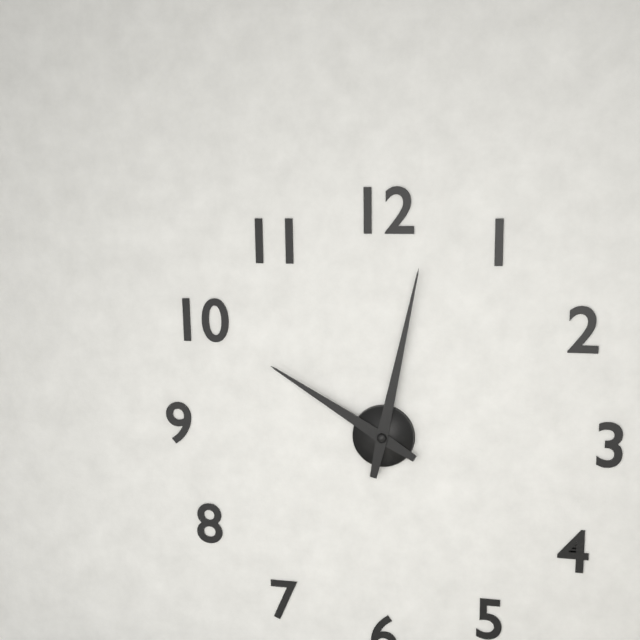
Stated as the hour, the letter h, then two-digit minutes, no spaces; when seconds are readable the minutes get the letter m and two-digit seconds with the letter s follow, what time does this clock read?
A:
10h02
